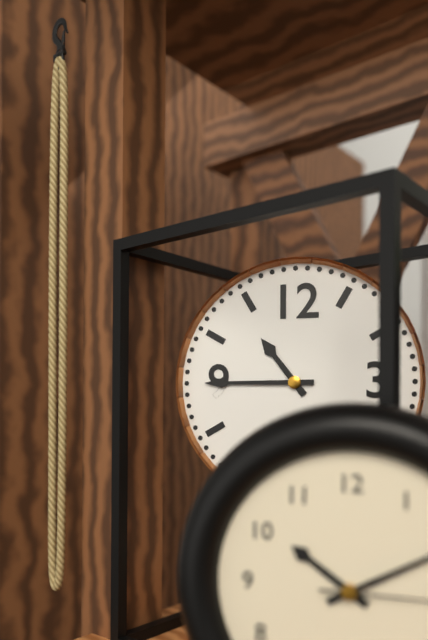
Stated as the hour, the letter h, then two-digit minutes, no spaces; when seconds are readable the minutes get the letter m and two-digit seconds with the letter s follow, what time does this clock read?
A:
10h45
